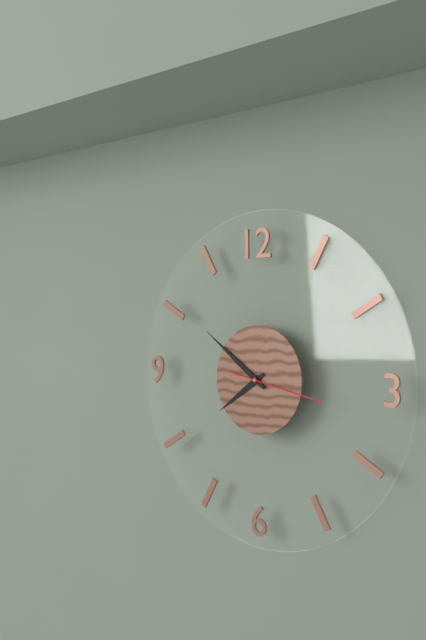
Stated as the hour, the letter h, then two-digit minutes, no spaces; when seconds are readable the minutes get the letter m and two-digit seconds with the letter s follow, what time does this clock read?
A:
7h51m17s
